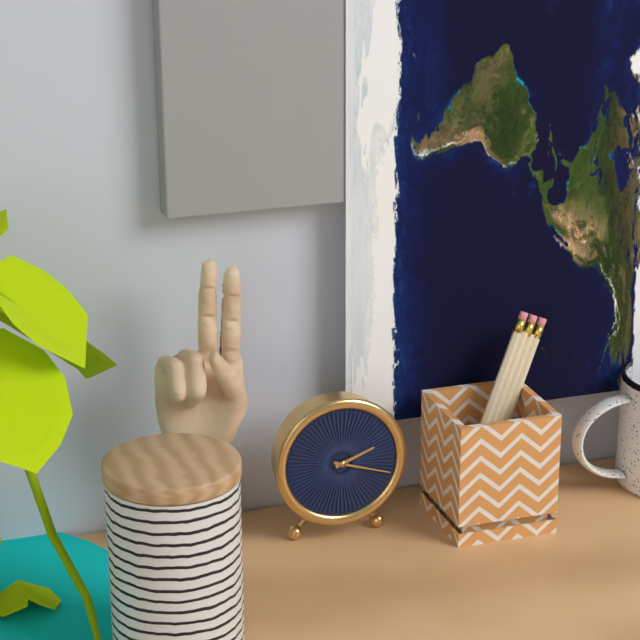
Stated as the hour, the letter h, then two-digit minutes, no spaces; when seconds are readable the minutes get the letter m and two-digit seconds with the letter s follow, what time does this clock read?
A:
2h18
